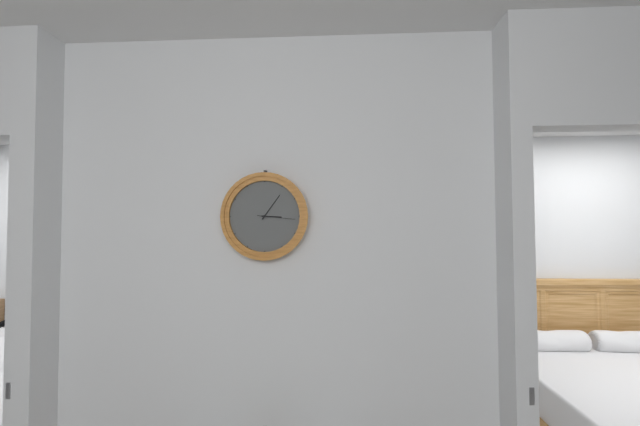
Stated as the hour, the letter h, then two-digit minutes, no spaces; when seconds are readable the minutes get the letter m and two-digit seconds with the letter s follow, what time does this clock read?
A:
3h06
